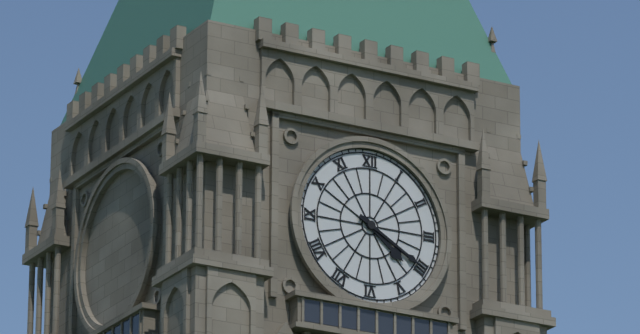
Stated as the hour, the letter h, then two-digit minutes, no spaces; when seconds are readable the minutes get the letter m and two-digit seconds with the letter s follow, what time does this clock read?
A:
4h20
